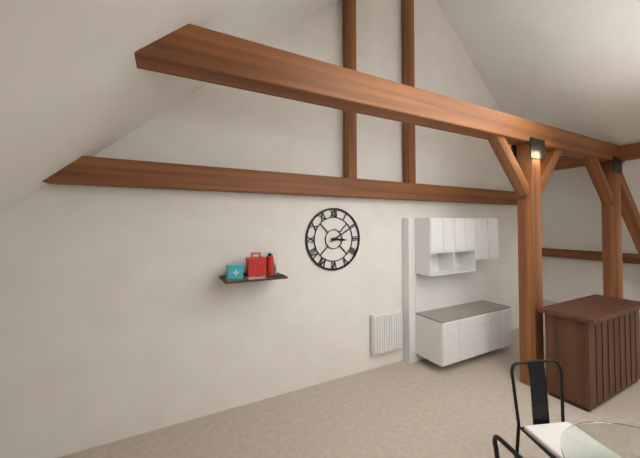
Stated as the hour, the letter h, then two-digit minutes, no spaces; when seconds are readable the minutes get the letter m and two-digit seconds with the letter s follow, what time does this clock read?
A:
3h10
